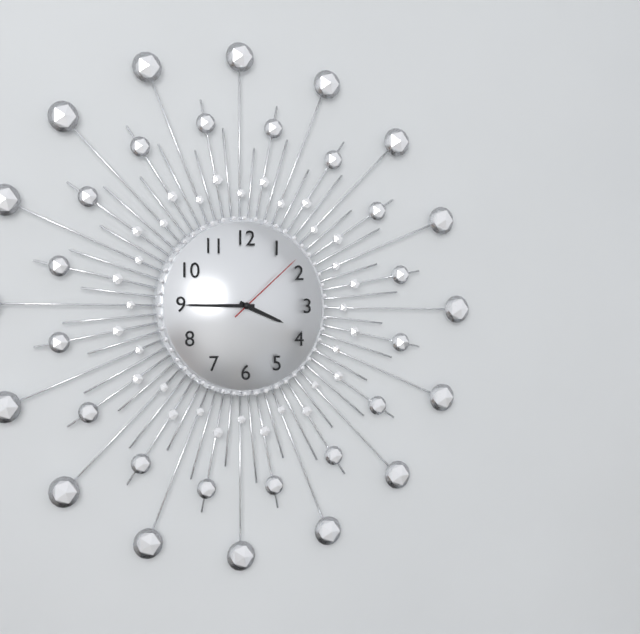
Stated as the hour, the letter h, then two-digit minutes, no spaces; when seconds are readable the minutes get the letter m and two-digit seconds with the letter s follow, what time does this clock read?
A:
3h45m08s
